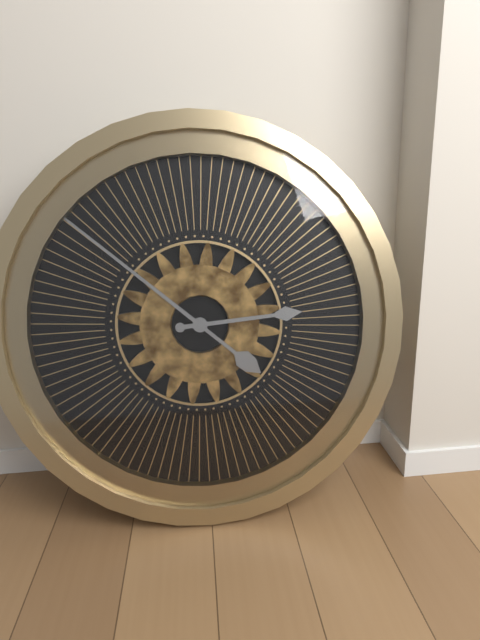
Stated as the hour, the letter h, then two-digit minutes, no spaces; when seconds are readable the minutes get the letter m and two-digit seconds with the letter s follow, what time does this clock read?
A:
2h52
